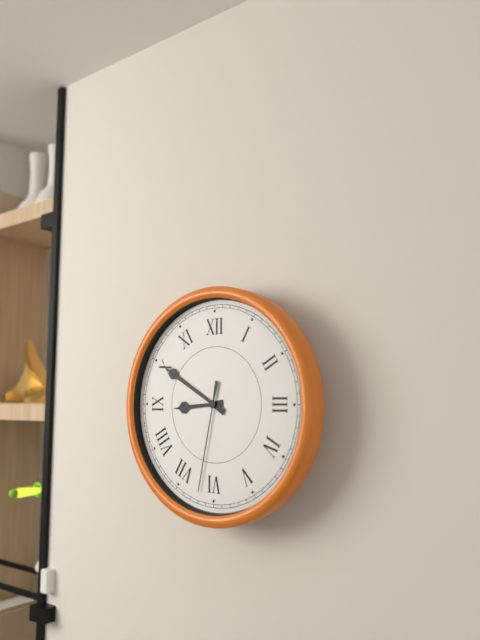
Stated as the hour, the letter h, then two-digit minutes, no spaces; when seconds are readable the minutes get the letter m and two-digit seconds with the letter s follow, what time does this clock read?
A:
8h50m32s
